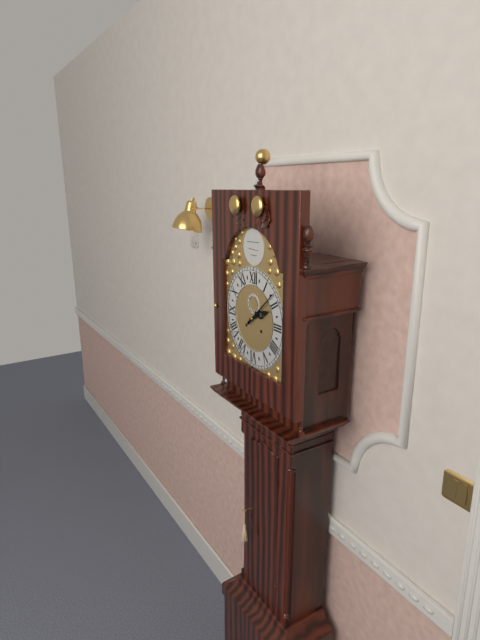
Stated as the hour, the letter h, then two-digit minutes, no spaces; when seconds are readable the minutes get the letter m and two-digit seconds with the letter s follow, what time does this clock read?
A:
2h08
